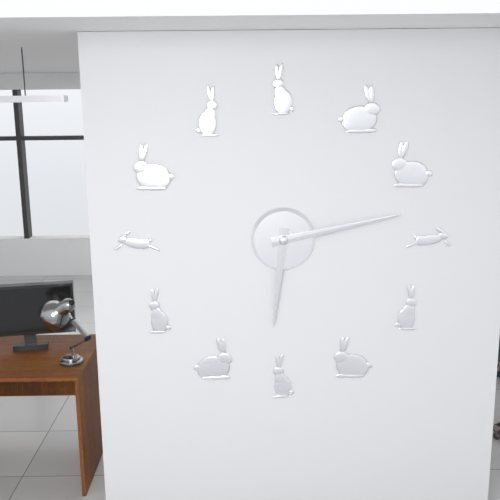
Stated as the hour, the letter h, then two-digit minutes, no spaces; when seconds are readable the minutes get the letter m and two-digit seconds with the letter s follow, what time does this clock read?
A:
6h13
